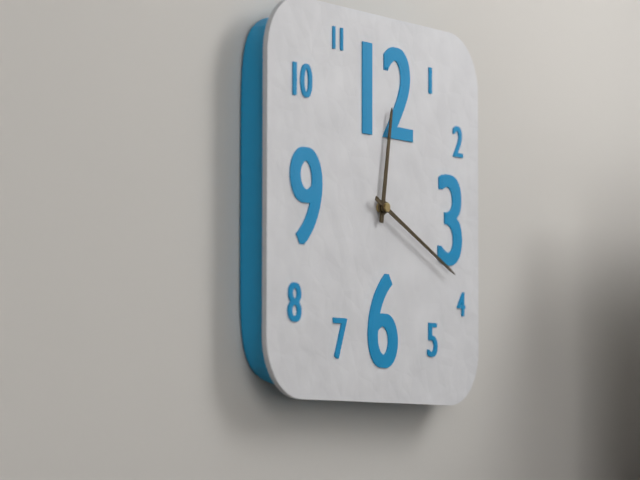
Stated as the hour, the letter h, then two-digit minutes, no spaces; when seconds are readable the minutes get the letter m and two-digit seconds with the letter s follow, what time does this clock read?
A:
12h19
